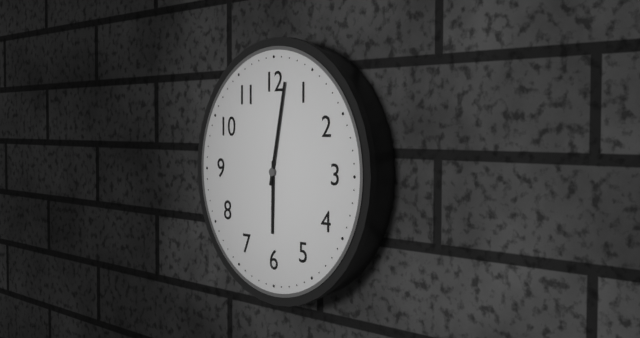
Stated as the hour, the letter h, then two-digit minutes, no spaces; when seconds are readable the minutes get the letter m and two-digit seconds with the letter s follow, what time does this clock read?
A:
6h02
